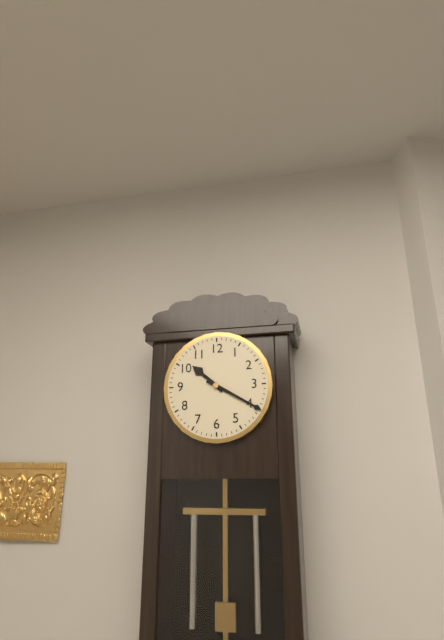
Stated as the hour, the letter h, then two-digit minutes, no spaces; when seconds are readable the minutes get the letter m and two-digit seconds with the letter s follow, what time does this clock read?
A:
10h20
